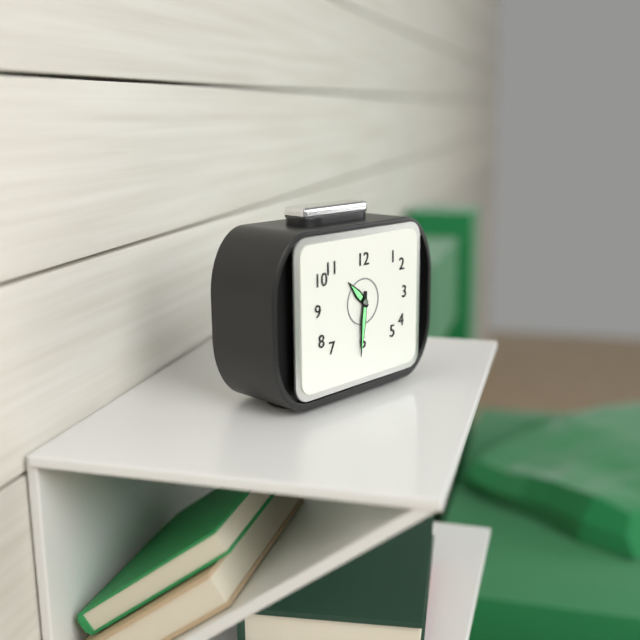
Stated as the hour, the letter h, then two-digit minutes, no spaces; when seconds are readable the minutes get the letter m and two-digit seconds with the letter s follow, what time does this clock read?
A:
10h31
